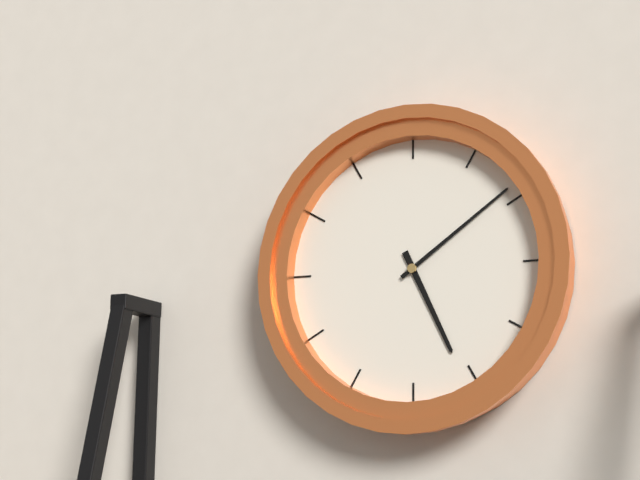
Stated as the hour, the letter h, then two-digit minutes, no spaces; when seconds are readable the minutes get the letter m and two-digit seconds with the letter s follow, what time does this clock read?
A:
5h09
